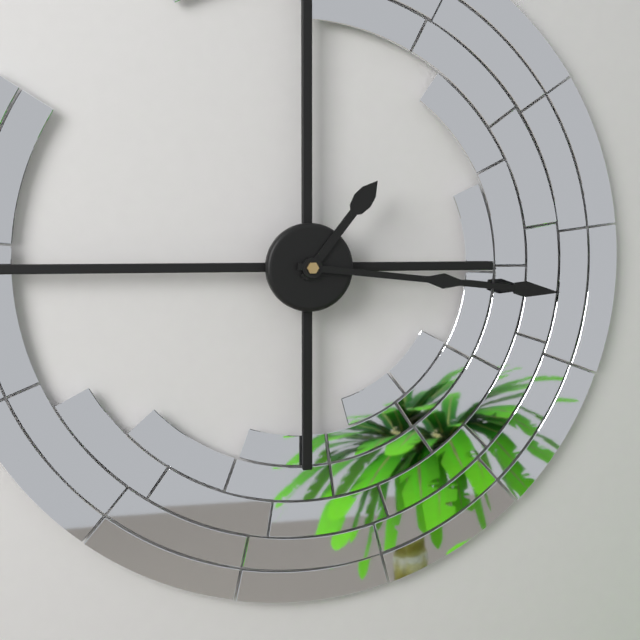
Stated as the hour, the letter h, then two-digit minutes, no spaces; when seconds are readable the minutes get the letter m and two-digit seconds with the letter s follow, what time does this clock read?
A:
1h16
